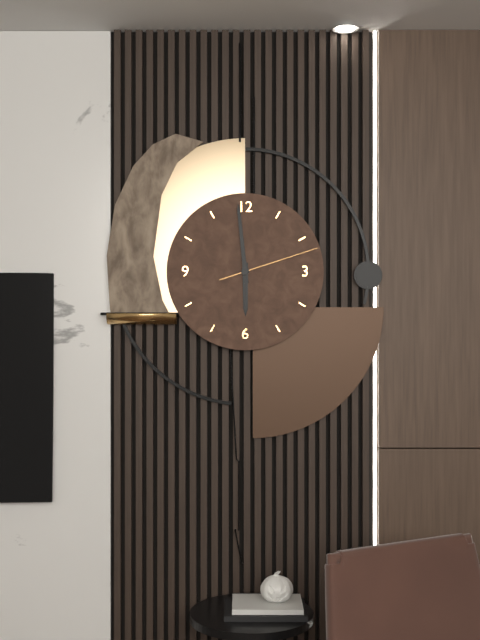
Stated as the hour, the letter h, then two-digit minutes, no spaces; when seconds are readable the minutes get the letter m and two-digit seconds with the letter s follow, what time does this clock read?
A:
5h59m12s
